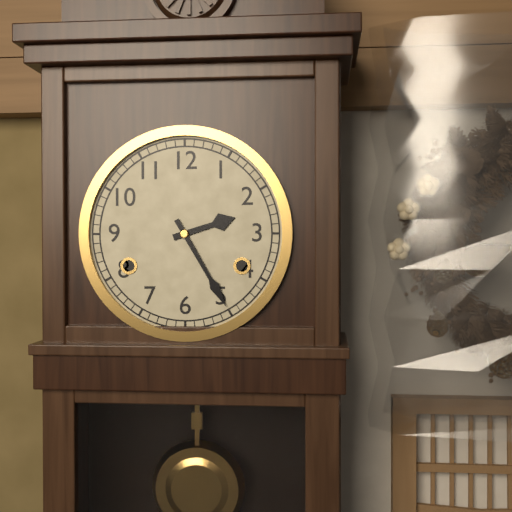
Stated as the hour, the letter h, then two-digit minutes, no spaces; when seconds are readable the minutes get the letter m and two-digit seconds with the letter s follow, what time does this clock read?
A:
2h25
